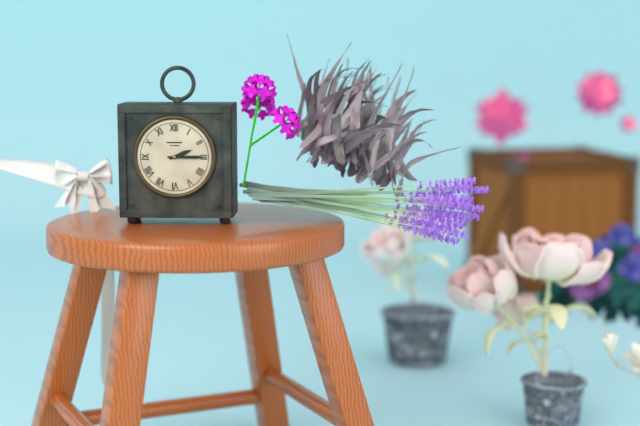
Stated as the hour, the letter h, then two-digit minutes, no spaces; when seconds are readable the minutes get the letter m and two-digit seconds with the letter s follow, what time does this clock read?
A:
2h15
